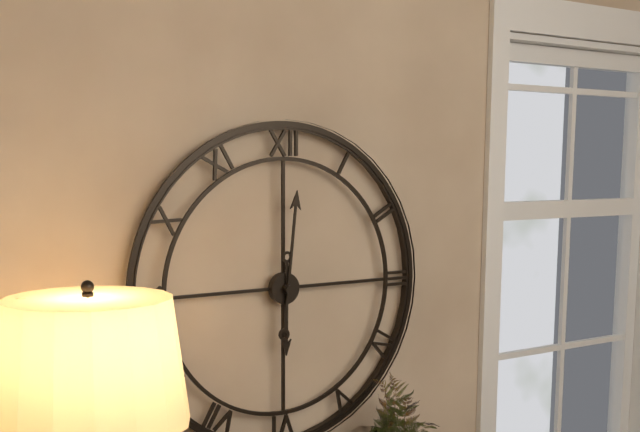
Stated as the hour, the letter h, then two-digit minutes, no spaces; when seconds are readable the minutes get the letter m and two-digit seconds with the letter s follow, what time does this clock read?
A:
6h01
